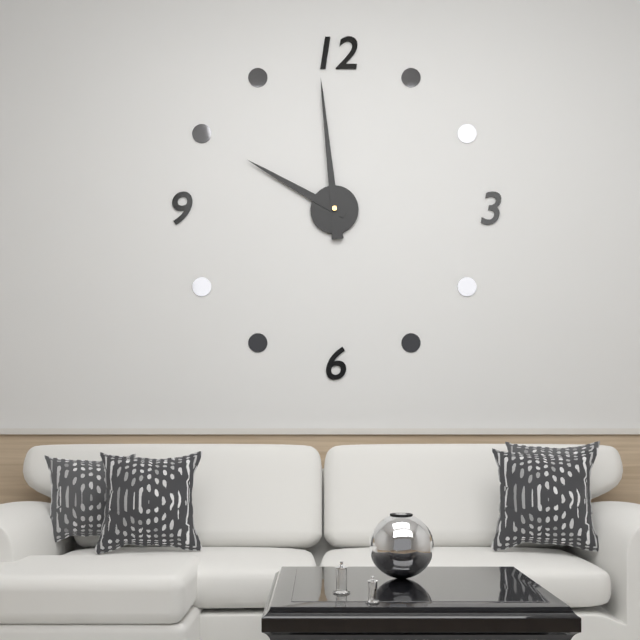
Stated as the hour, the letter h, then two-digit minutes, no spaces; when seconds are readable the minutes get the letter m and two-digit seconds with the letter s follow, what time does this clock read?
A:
9h59
